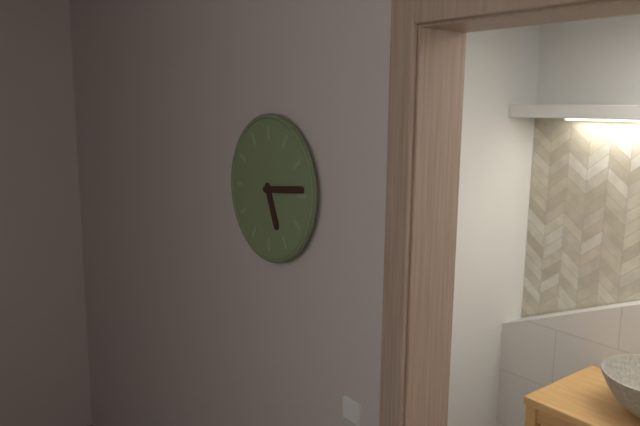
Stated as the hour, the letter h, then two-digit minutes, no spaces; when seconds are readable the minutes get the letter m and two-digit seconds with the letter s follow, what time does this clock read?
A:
5h14
